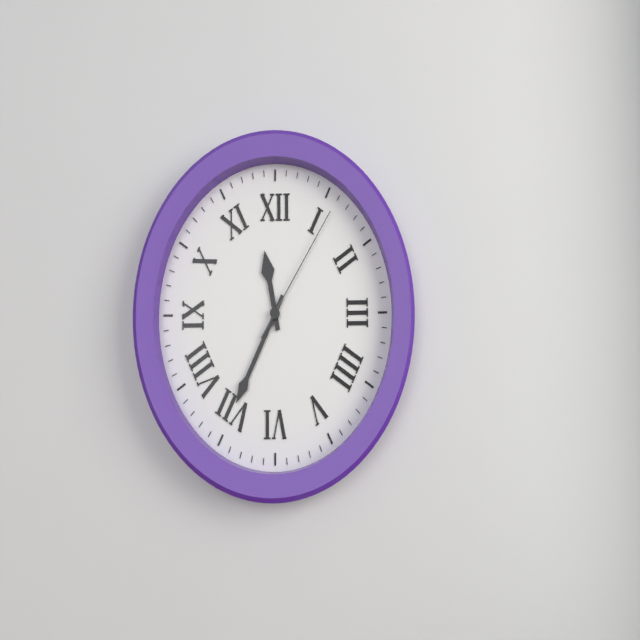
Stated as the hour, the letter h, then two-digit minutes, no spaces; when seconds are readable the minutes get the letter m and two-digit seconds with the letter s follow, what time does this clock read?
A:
11h35m06s
